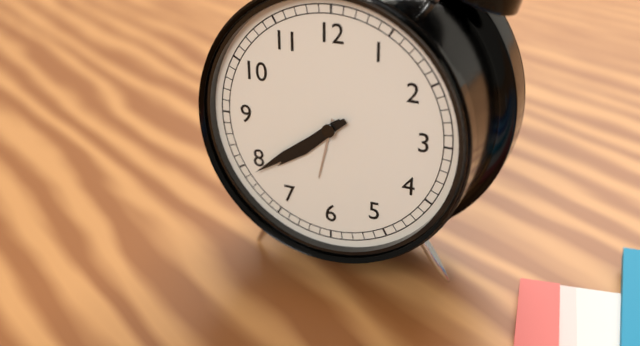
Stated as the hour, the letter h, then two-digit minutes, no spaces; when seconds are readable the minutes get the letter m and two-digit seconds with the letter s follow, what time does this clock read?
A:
7h39
